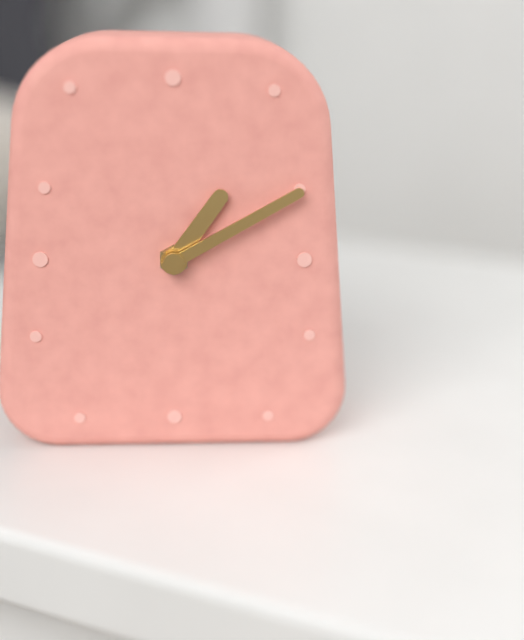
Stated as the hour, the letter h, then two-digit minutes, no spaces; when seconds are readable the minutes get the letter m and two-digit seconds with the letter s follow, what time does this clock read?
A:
1h10
